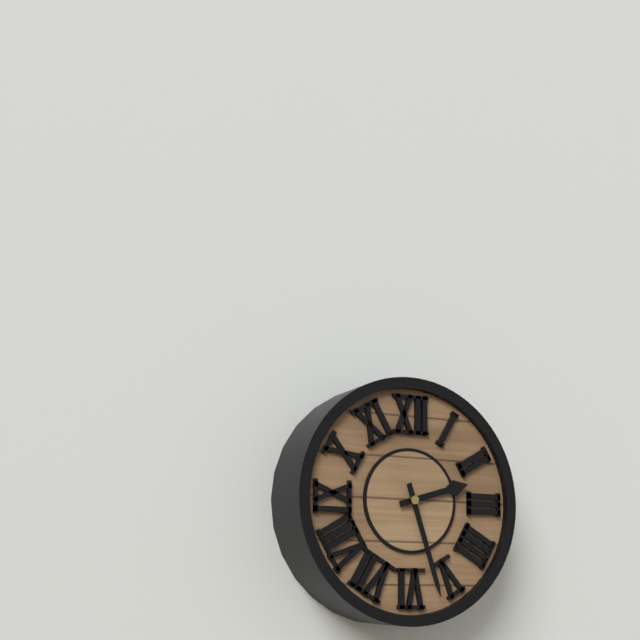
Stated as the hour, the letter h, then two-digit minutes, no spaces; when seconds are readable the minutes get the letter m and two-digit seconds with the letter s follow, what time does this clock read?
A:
2h27
